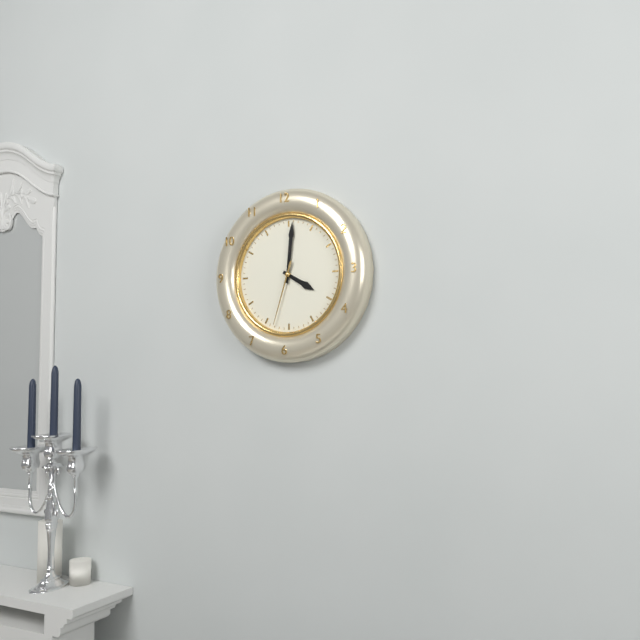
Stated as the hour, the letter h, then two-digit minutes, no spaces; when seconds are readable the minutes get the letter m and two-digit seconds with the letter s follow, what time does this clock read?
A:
4h01m33s
